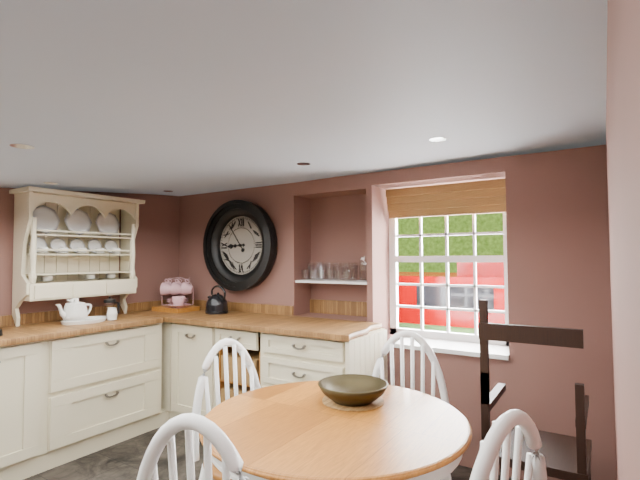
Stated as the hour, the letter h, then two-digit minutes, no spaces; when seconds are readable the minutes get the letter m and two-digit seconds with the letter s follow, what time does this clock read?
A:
8h54
